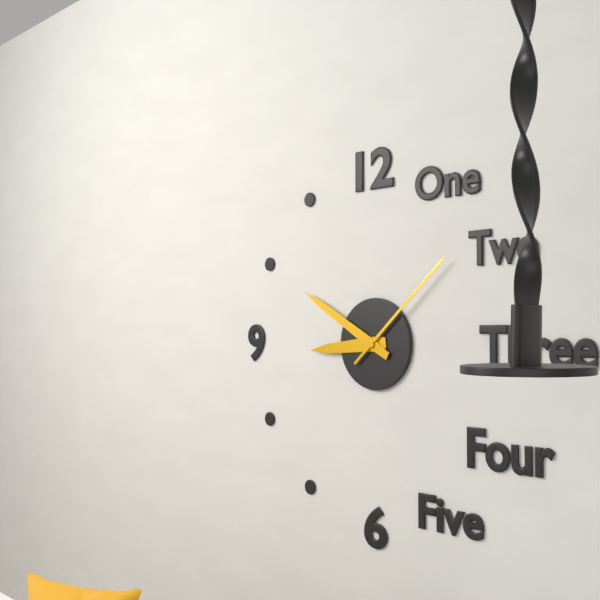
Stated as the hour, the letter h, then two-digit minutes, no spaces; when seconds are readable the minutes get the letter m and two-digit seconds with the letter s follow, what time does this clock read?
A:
8h50m08s
